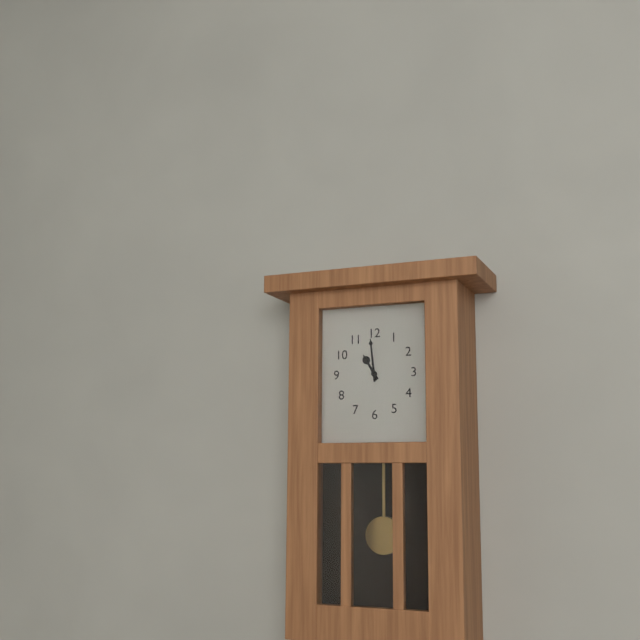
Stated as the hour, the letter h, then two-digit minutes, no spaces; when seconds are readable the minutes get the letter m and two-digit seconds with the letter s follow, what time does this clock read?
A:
10h59
